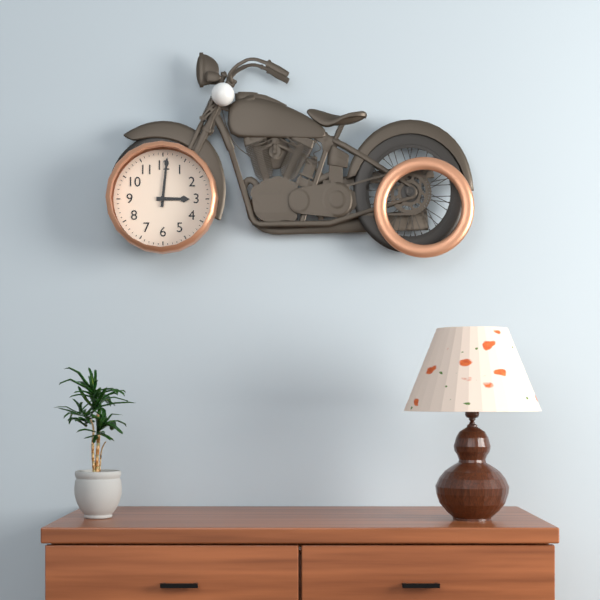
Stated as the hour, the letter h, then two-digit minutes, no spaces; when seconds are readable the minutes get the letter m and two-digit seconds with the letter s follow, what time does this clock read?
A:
3h01
